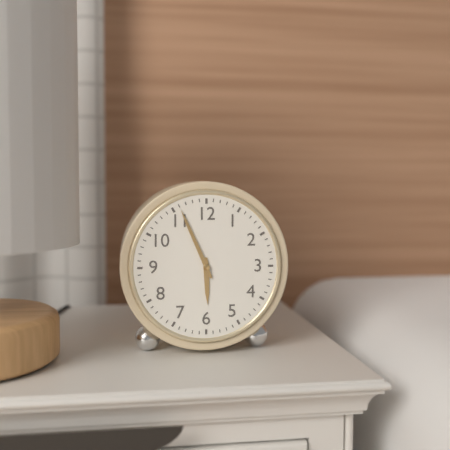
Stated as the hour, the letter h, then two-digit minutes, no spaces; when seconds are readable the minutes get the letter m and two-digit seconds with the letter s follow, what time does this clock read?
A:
5h56
